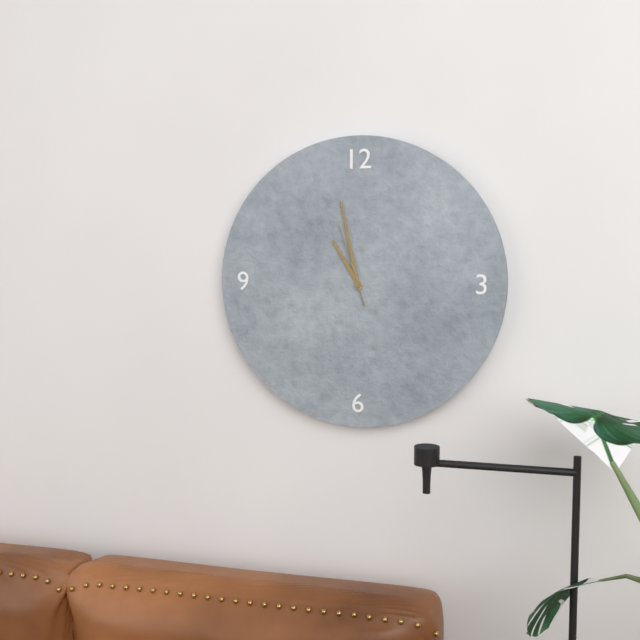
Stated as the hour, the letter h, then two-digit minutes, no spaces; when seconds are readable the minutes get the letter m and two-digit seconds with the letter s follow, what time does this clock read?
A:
10h58m57s
